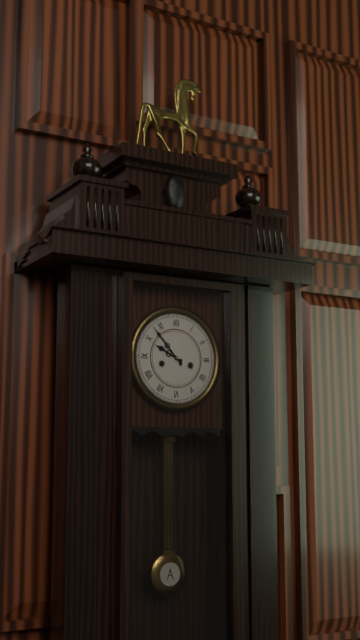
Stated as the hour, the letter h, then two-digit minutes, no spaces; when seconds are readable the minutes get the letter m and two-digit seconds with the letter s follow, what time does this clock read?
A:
9h53
